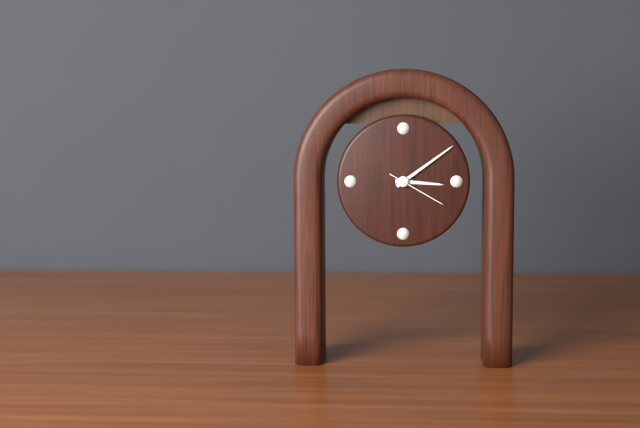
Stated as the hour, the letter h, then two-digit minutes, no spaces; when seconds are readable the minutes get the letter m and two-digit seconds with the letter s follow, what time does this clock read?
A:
3h09m20s
